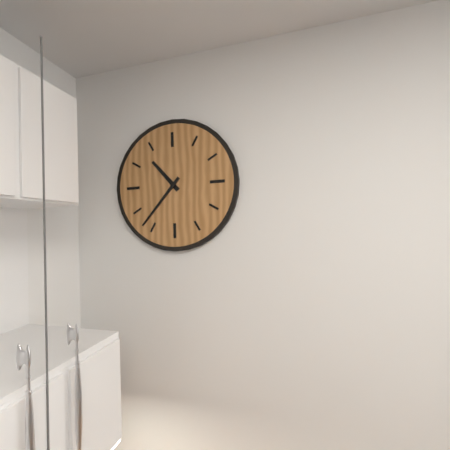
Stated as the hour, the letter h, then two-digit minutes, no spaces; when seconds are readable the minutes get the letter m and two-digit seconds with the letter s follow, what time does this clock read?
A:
10h37
